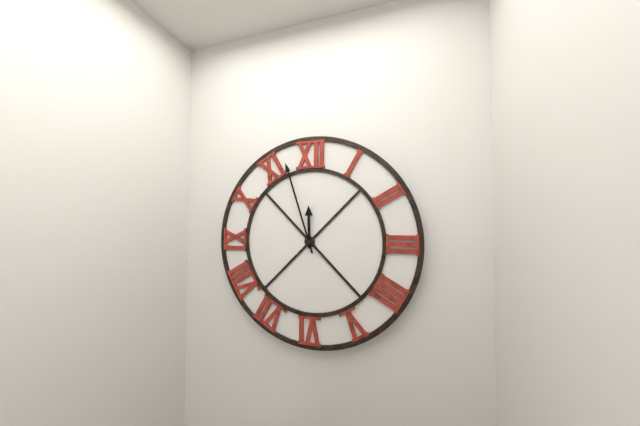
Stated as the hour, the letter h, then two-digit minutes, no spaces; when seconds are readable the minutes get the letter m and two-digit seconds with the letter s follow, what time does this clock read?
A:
11h57
